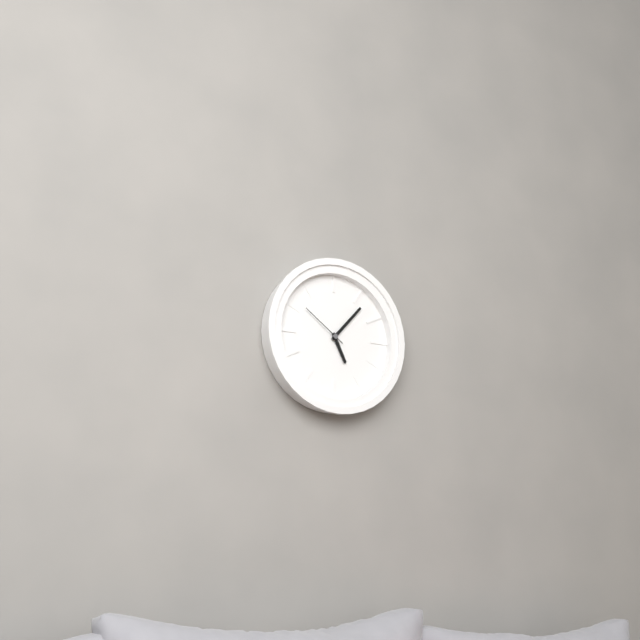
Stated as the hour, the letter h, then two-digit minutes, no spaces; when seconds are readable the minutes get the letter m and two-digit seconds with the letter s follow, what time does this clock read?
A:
5h07m51s
